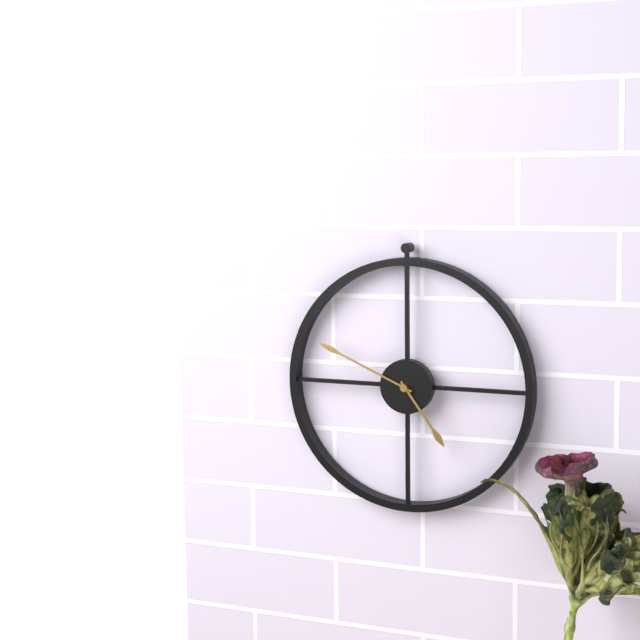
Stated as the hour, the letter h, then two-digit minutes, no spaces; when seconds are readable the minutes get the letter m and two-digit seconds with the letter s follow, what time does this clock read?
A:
4h49
